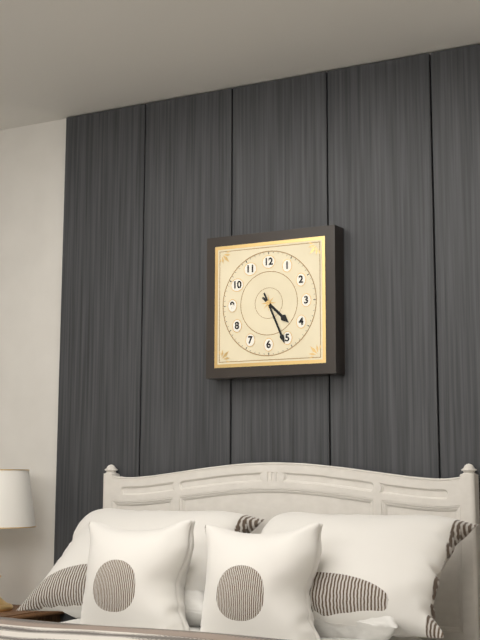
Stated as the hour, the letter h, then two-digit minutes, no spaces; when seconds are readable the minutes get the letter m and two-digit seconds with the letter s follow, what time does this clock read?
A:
4h26
